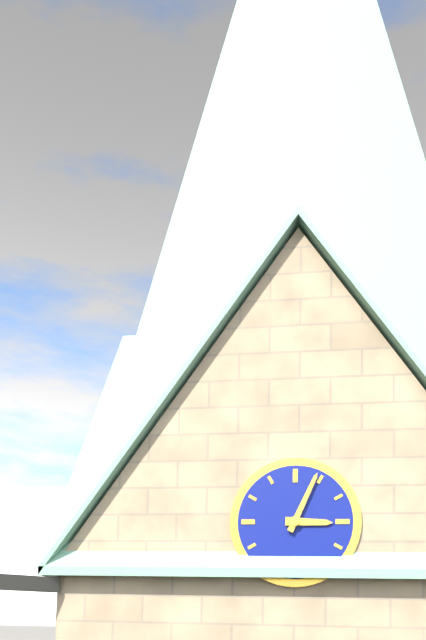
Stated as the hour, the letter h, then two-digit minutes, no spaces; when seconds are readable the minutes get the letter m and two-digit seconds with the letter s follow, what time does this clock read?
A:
3h04
